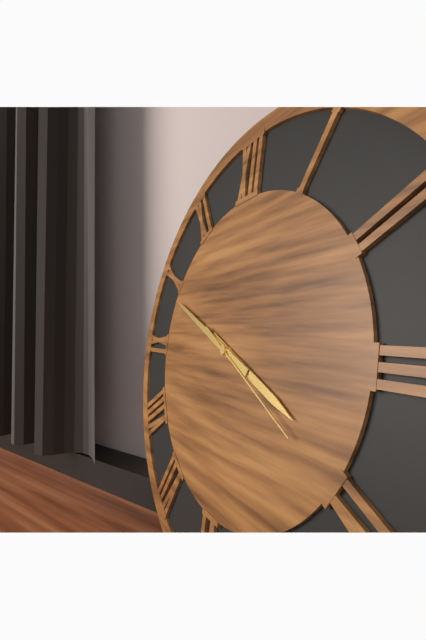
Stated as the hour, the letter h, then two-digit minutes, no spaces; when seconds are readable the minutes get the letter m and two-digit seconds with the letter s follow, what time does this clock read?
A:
3h49m20s
